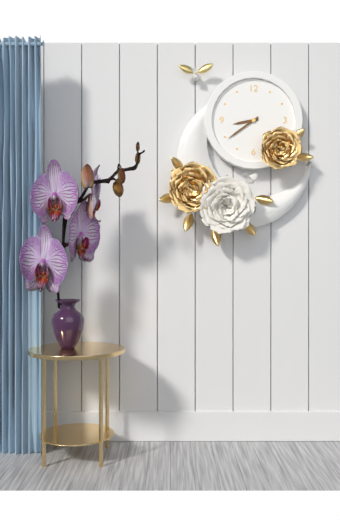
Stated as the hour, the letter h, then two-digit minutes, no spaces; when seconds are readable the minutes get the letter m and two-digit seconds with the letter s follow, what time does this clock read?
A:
8h39
